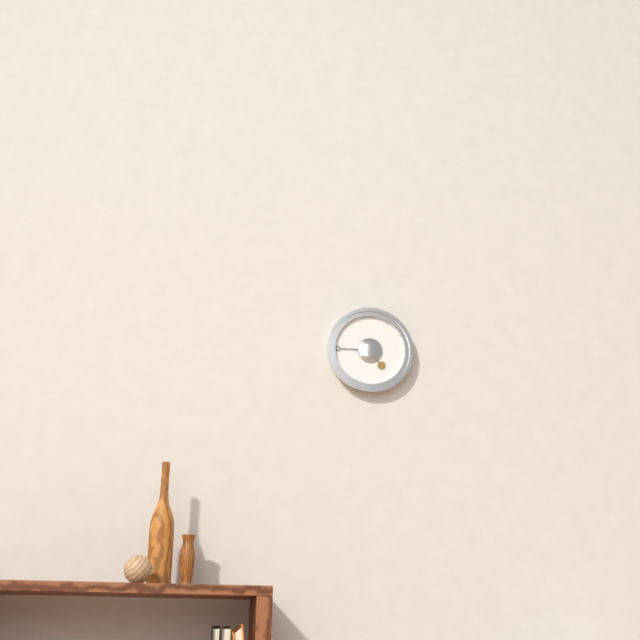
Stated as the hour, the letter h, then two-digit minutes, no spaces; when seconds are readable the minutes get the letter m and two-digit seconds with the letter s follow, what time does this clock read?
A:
4h45
